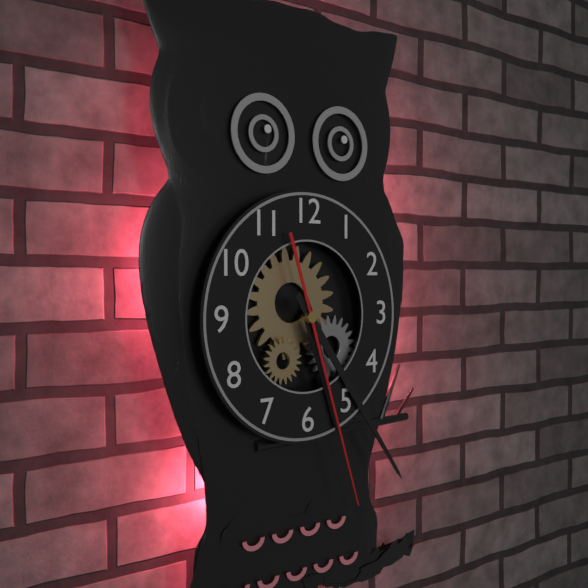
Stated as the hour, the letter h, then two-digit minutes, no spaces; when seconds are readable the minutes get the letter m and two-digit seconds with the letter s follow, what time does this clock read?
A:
5h24m27s
